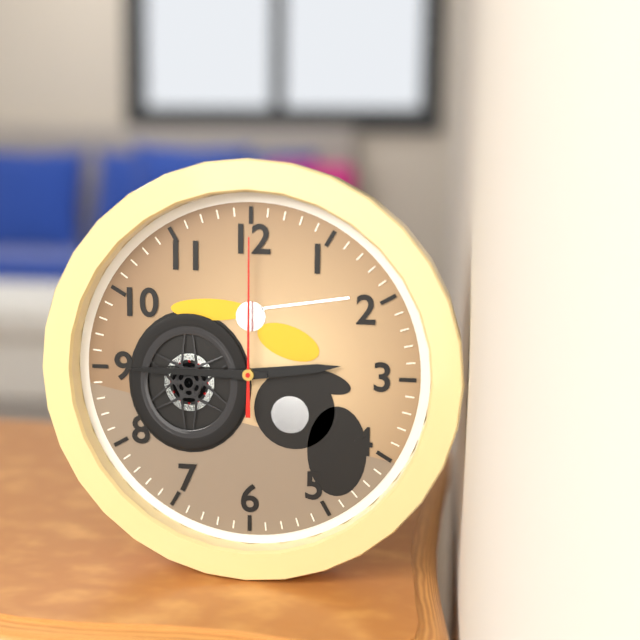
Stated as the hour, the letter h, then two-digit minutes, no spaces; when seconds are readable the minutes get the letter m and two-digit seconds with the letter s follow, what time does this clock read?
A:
2h45m00s
